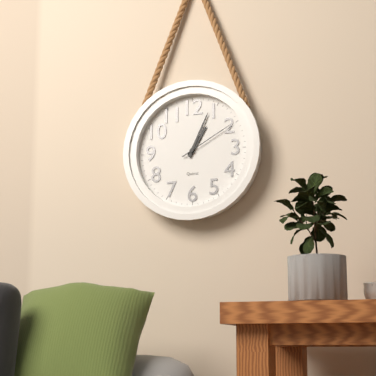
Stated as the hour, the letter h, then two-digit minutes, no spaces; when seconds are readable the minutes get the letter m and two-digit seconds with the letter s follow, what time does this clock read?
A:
1h04m10s
